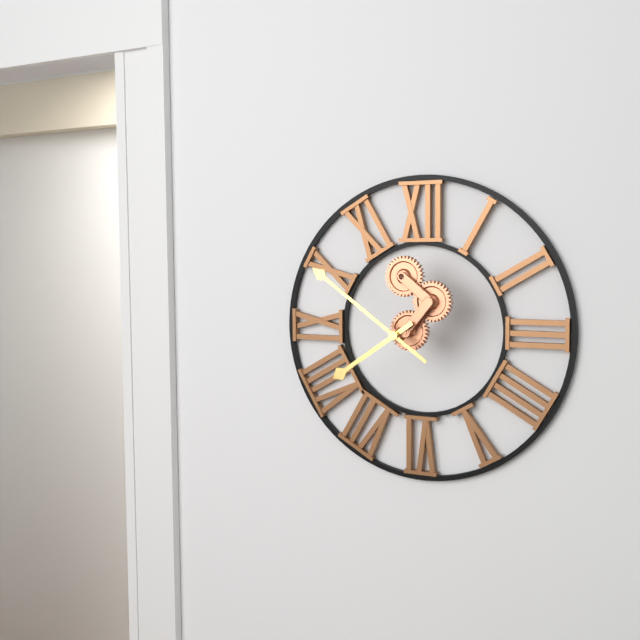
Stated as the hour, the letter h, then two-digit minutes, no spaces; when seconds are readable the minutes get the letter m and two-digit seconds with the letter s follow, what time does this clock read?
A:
7h51
